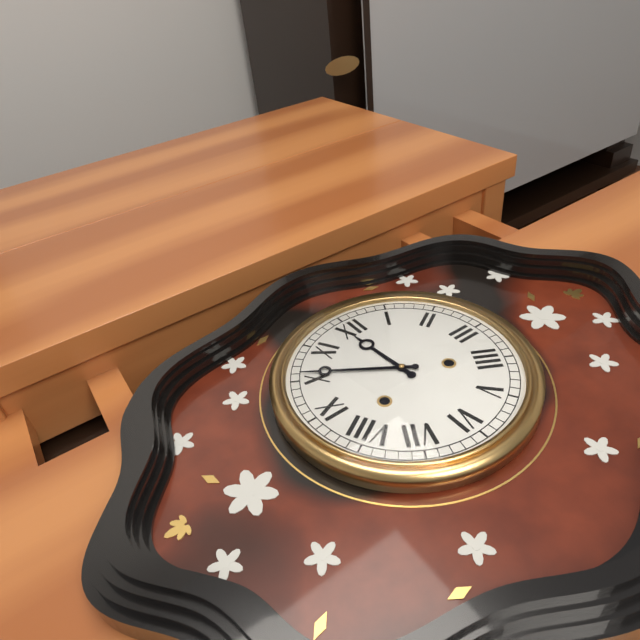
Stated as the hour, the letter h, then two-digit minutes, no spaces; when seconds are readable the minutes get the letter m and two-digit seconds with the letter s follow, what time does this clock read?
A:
11h51
